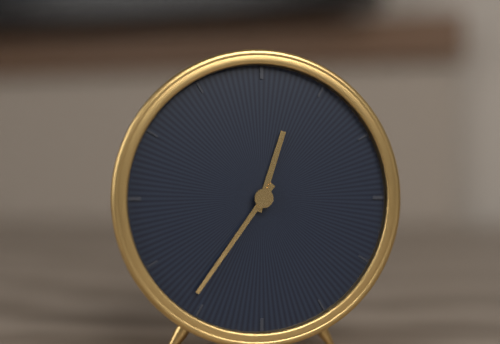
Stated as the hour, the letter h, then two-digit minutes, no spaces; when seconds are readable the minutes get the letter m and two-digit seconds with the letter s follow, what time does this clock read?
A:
12h36
